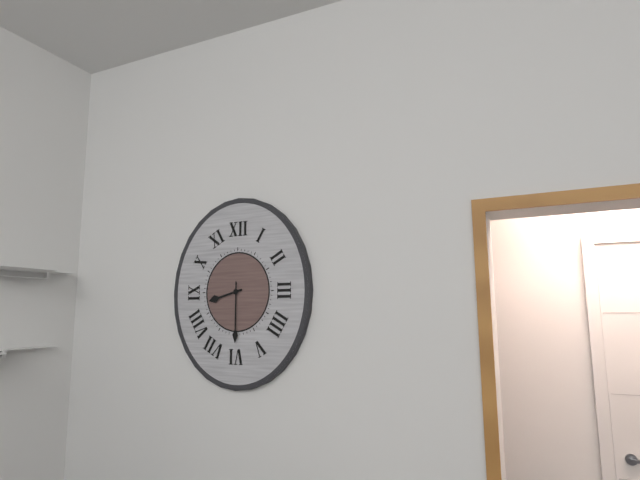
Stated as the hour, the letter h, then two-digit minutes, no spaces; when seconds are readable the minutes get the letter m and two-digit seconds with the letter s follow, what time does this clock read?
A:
8h30
